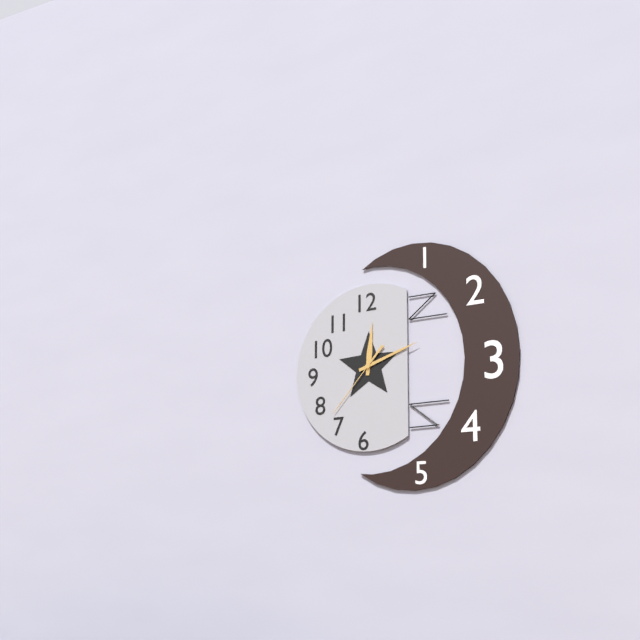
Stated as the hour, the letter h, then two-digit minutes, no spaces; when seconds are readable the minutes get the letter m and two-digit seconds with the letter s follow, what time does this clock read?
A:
12h12m37s
